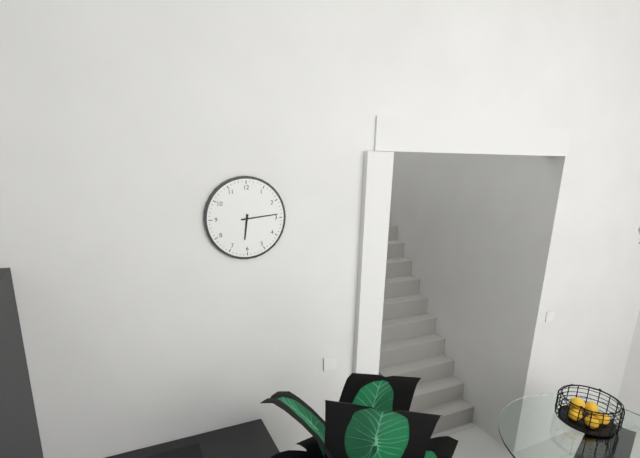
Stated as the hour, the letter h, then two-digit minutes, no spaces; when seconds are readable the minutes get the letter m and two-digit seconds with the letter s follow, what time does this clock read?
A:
6h14
